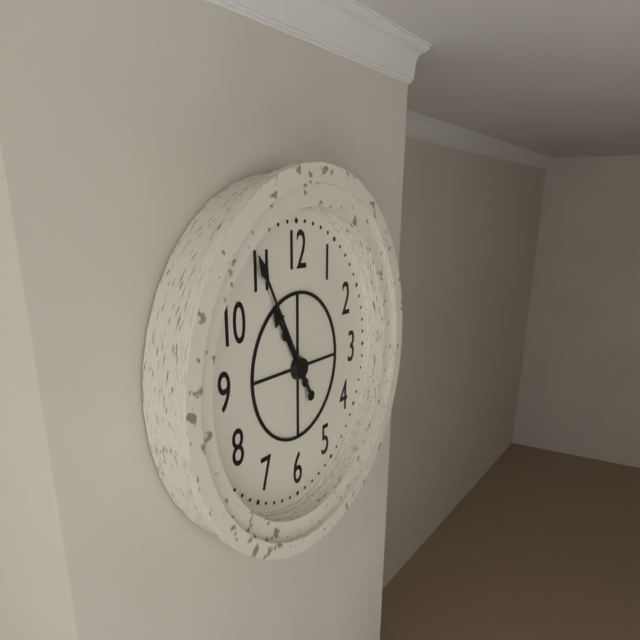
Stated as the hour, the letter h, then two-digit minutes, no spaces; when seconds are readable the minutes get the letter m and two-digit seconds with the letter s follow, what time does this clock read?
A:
10h55
